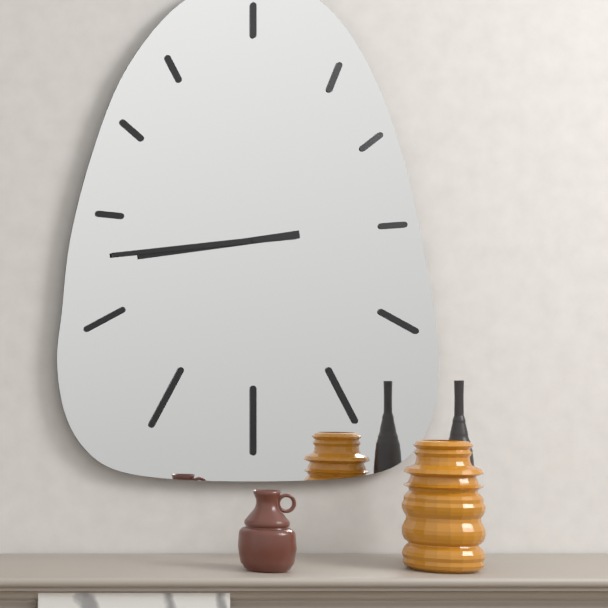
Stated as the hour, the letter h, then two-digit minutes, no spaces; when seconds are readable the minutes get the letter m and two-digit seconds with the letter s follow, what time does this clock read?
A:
8h44
